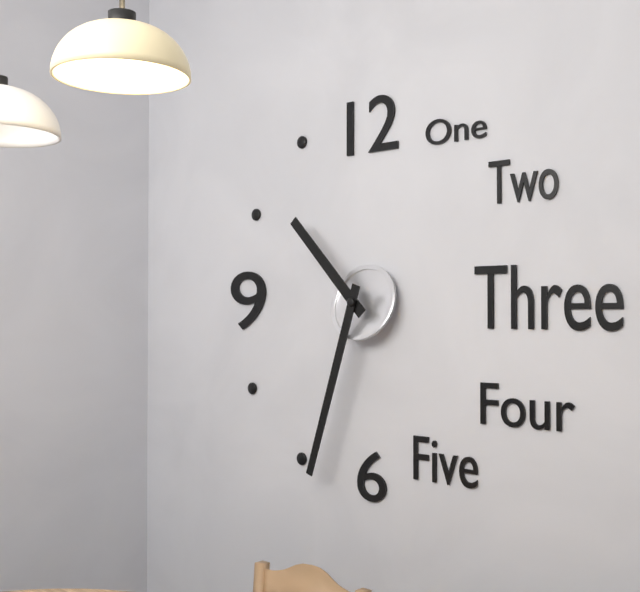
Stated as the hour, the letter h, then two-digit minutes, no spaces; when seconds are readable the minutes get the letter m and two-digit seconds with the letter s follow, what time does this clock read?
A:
10h33
